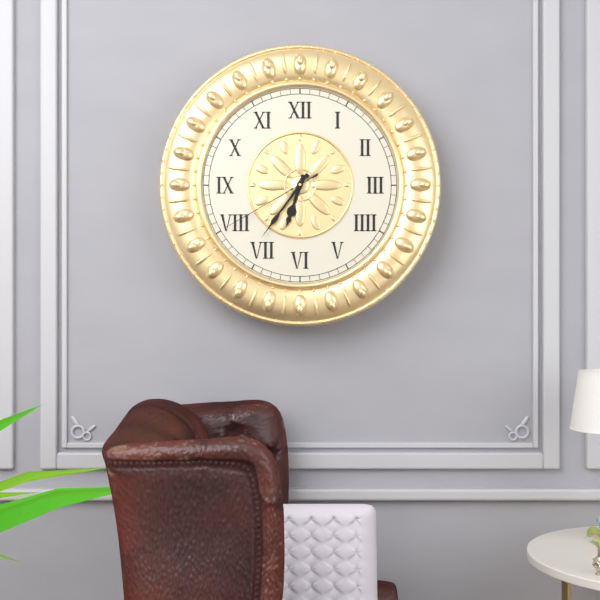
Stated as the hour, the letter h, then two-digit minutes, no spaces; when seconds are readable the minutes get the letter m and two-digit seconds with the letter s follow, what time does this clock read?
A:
6h36m40s
